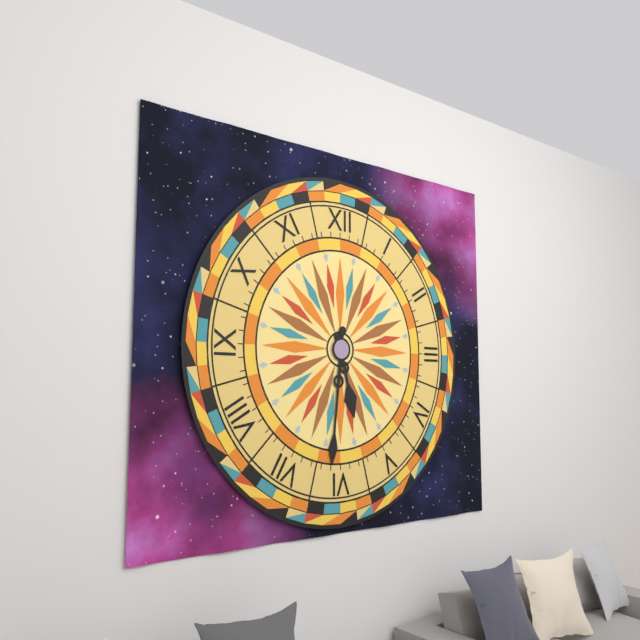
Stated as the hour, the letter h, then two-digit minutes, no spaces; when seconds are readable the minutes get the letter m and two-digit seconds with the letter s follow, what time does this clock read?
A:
5h31
